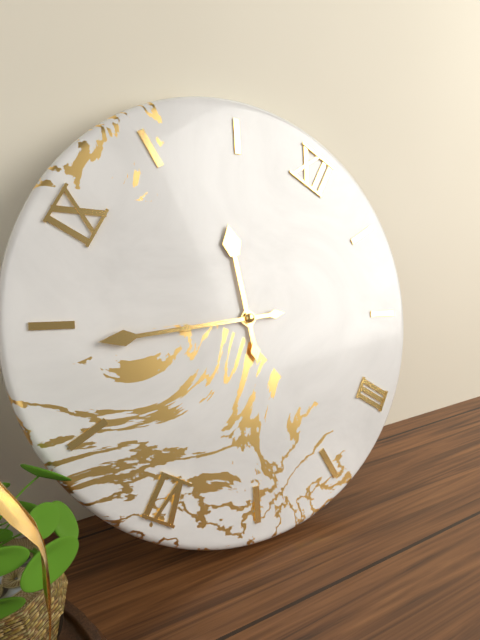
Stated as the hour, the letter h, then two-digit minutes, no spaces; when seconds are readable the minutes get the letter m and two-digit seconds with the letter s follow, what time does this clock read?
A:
10h39
